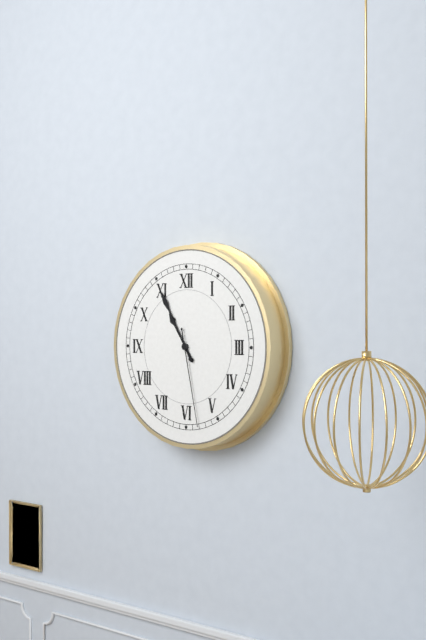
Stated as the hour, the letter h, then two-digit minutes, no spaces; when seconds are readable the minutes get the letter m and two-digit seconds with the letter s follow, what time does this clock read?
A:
10h55m28s
